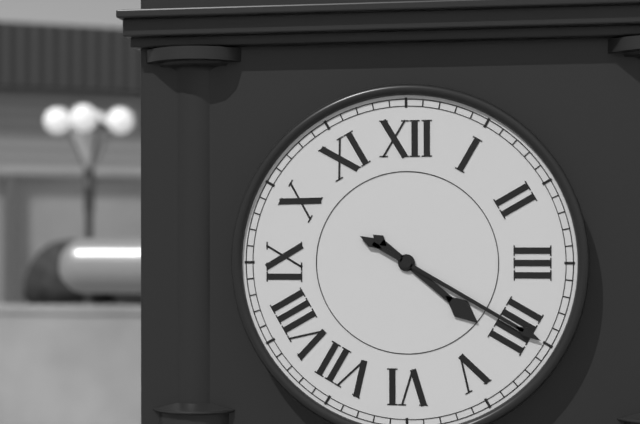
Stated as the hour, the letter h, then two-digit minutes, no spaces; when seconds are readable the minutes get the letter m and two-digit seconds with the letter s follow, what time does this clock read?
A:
4h20
